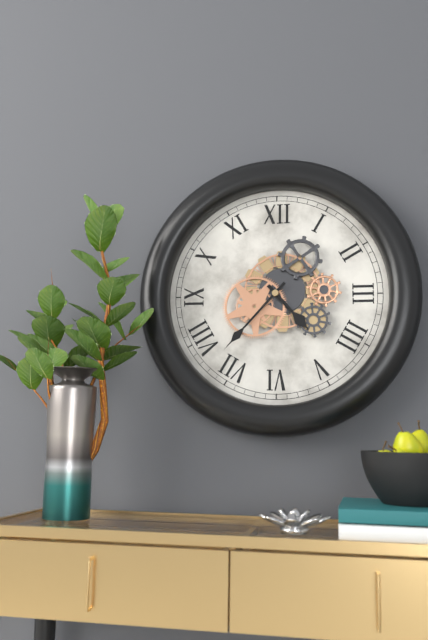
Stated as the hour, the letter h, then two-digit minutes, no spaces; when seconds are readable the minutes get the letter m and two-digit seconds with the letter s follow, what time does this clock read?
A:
4h37
